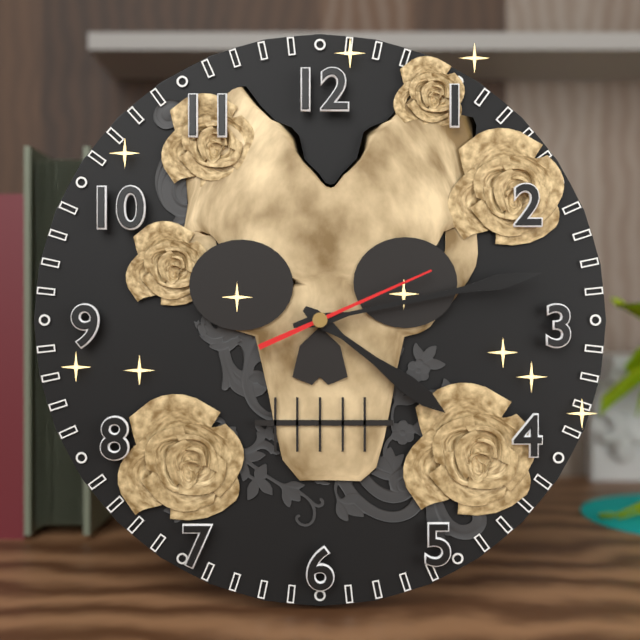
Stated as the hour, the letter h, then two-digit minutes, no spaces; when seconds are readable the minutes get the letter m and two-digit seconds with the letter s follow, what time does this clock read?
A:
4h13m11s
